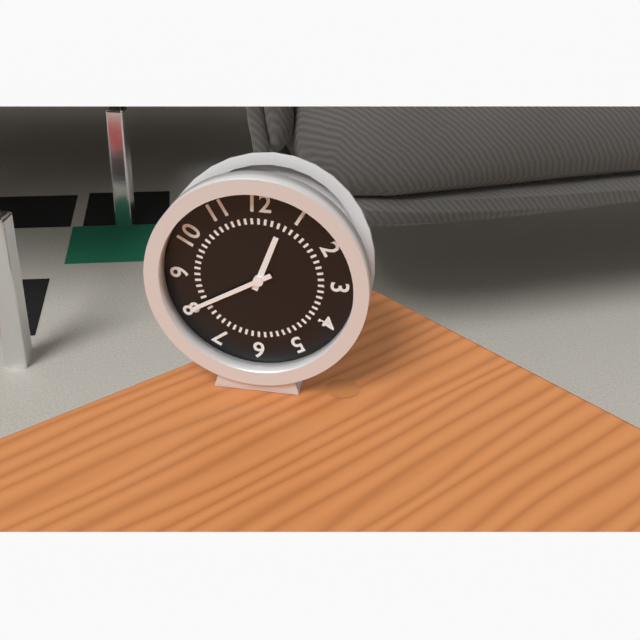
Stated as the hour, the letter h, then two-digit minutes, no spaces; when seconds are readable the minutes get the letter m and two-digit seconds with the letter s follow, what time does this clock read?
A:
12h40
